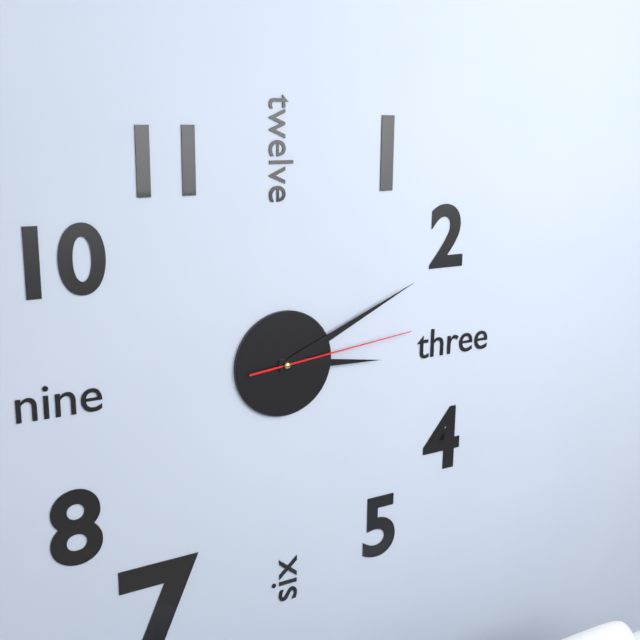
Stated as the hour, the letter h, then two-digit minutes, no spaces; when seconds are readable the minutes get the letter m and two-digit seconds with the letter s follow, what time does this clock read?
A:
3h11m14s
